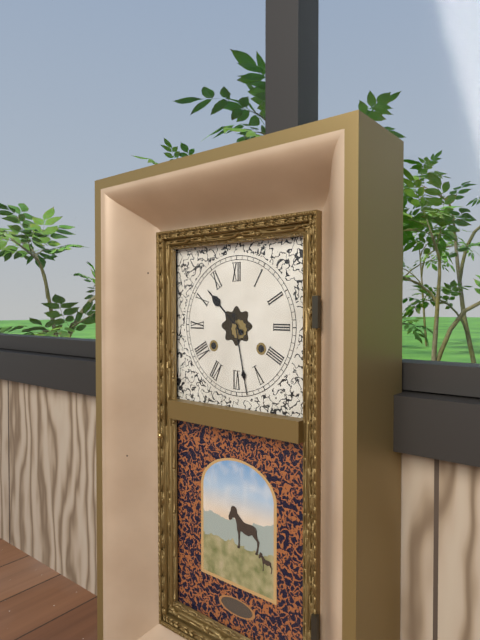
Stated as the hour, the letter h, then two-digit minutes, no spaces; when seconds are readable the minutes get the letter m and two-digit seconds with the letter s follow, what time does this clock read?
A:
10h28
